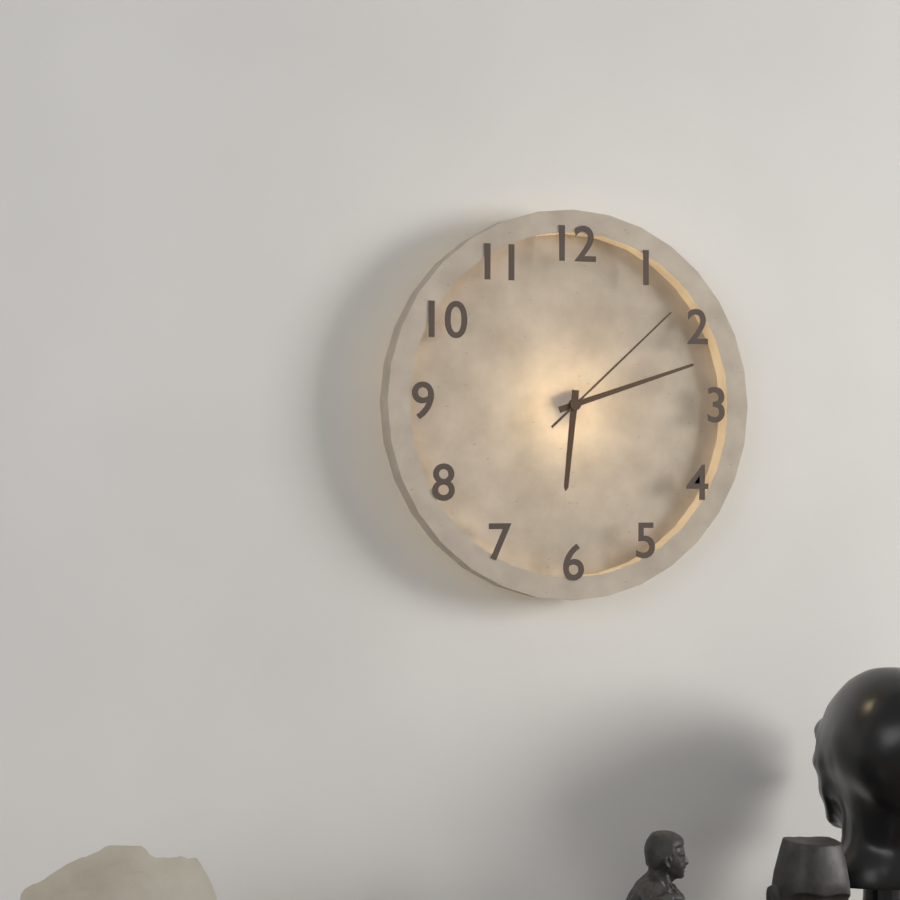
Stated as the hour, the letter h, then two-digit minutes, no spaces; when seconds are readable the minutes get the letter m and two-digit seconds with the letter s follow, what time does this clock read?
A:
6h12m08s
